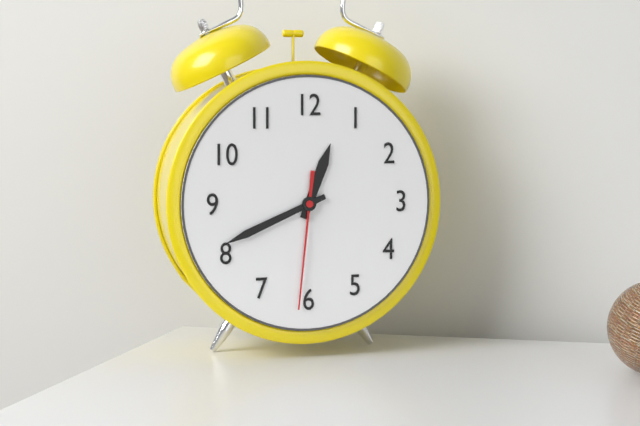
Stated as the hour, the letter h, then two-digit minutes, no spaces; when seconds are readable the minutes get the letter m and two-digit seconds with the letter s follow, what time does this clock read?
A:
12h41m31s
